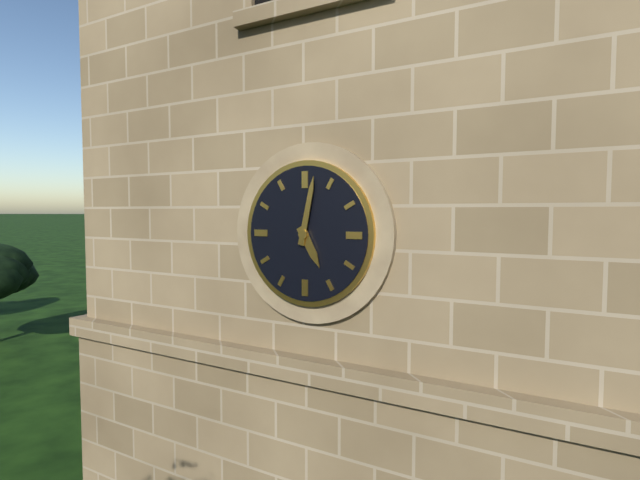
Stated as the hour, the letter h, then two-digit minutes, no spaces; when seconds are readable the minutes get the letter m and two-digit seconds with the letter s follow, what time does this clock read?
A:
5h02
